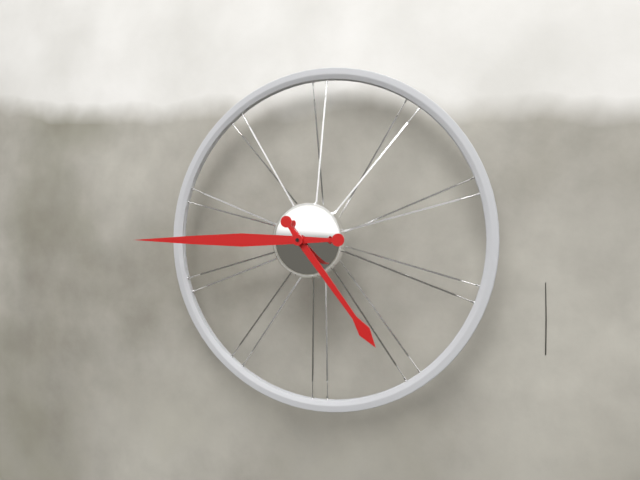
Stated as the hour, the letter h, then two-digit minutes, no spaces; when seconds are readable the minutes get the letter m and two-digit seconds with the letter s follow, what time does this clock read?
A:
4h45
